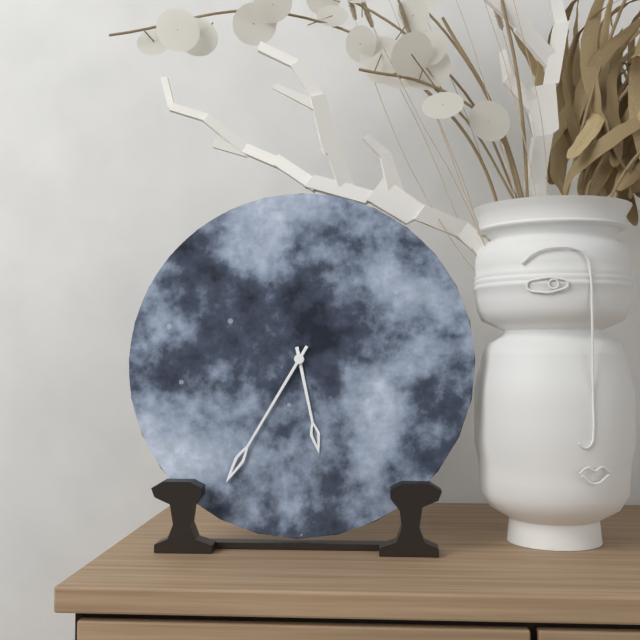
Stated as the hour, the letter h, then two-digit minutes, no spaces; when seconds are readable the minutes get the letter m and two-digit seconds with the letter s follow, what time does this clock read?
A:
5h35
